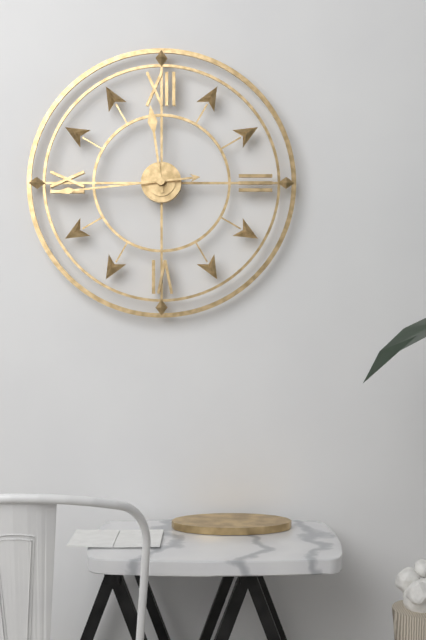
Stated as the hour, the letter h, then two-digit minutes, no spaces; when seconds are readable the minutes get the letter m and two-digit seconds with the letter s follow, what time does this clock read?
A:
11h44
